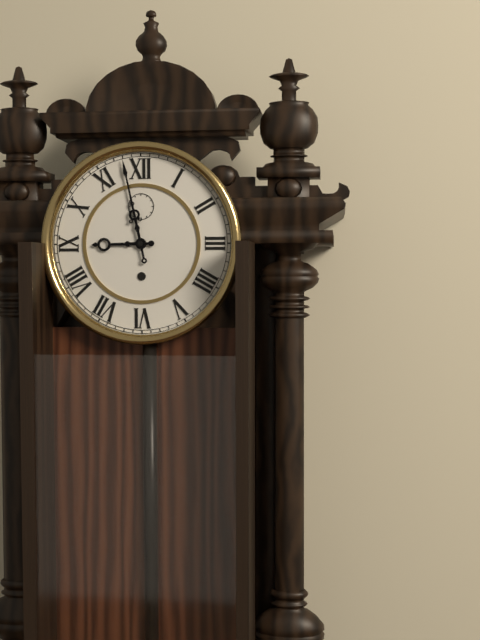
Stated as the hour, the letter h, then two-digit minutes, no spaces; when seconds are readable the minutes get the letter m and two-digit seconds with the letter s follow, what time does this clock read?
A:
8h58
